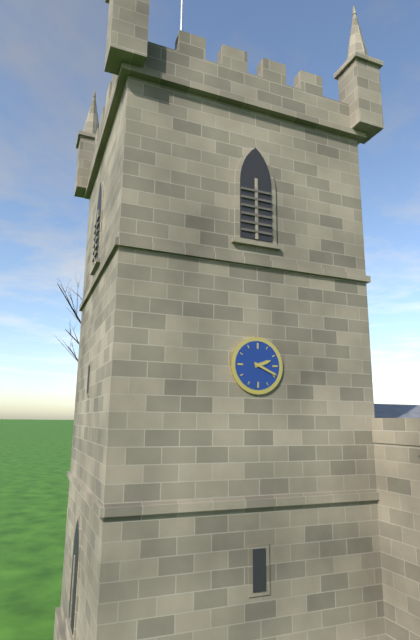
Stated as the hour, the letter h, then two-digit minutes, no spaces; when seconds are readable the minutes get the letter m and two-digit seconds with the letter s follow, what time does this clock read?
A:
2h19
